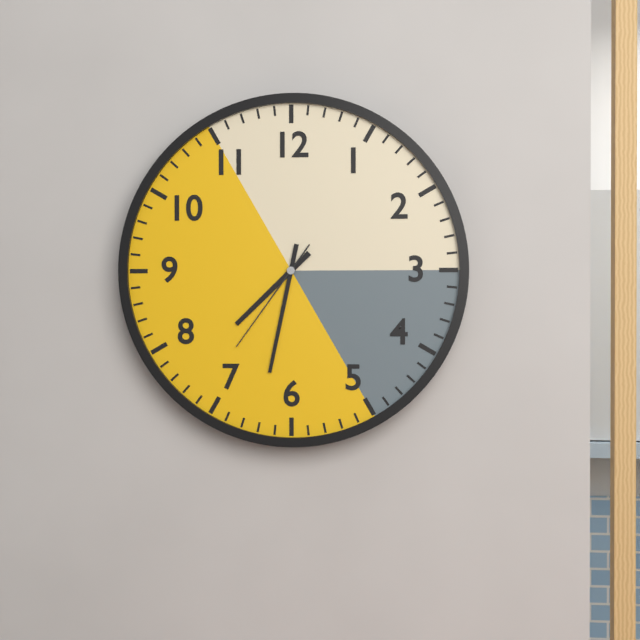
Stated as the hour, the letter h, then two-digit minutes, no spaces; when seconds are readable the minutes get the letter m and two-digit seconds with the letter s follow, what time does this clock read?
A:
7h32m36s
